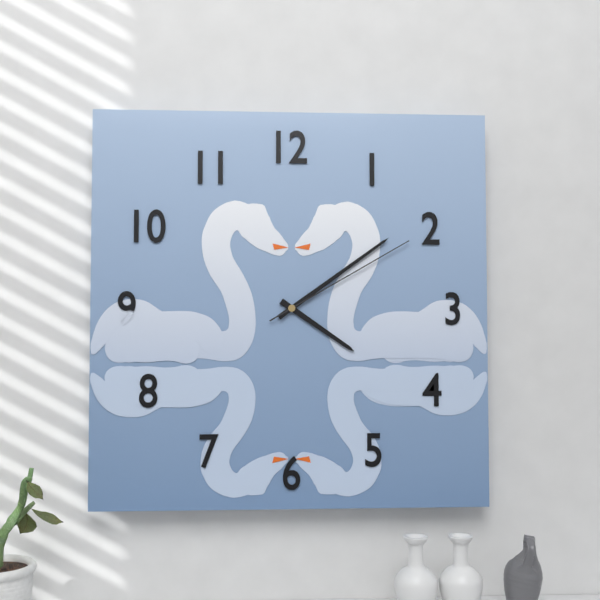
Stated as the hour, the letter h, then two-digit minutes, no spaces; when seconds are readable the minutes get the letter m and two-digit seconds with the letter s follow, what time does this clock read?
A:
4h09m10s
